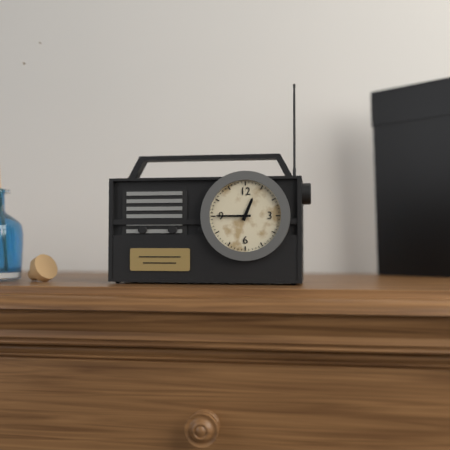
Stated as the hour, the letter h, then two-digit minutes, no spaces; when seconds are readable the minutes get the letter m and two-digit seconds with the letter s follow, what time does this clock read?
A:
12h45
